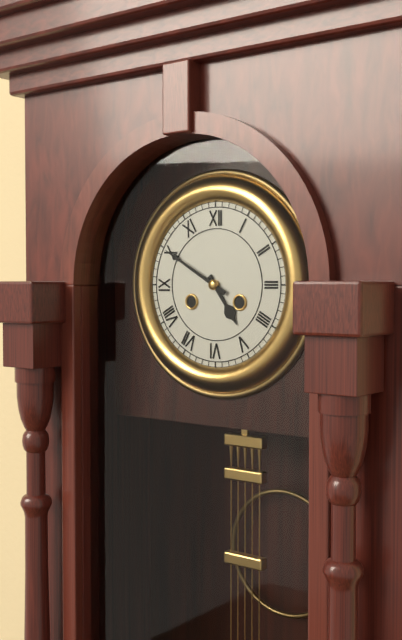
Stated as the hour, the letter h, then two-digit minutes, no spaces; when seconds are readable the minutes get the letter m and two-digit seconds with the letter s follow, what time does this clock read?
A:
4h50
